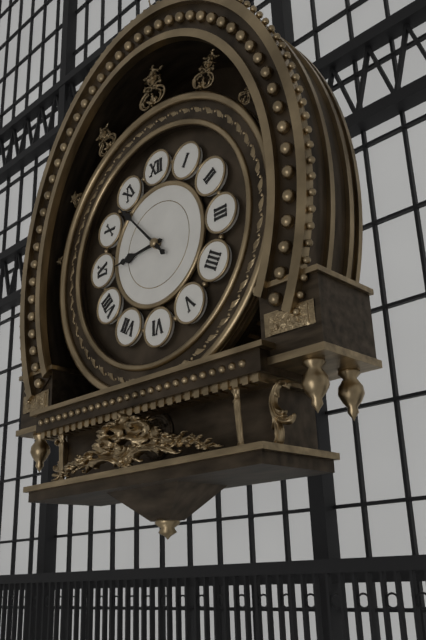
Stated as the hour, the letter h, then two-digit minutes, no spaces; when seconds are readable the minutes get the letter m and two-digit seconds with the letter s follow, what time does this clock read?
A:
8h53
